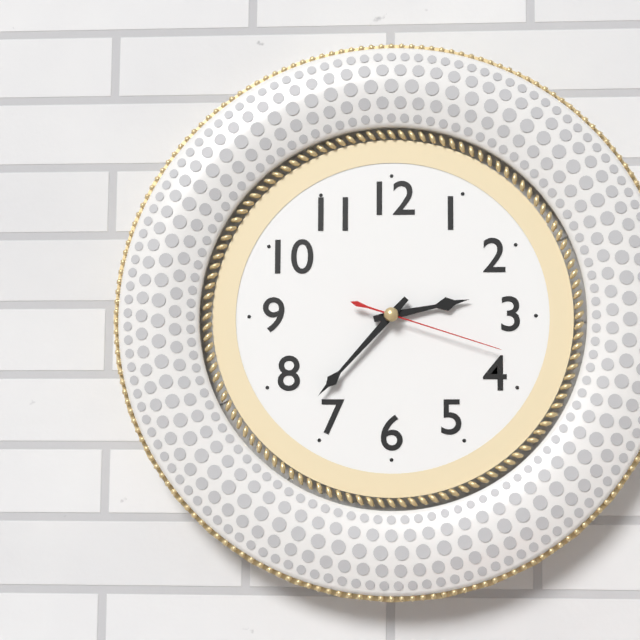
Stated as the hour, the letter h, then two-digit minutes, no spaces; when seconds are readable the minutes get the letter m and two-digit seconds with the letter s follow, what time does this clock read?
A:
2h37m18s
